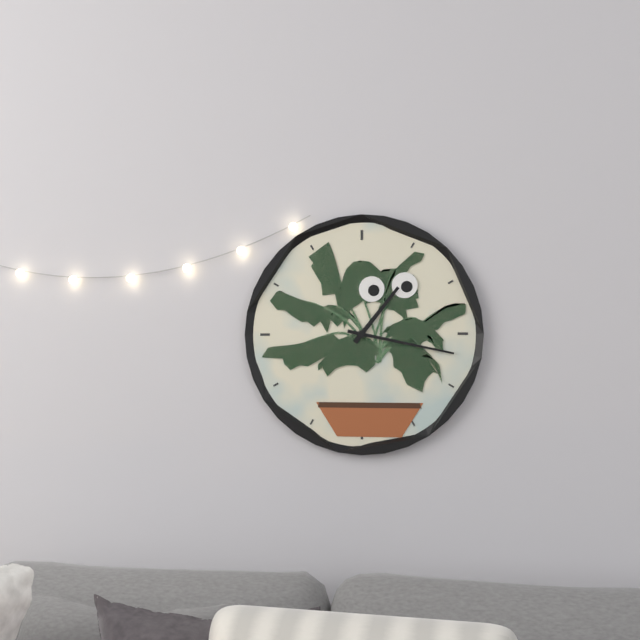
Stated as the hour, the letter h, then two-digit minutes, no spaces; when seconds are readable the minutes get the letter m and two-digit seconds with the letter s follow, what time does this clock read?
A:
1h17
